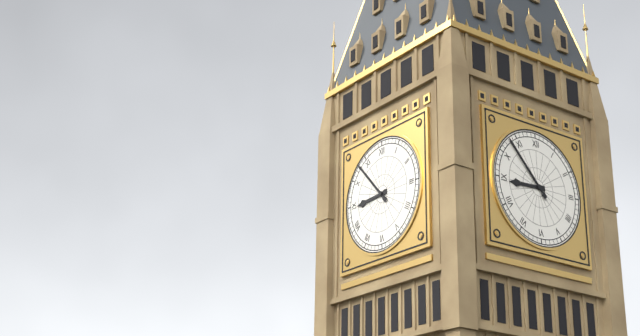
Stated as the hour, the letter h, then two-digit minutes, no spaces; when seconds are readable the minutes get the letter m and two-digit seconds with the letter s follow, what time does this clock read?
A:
8h53
